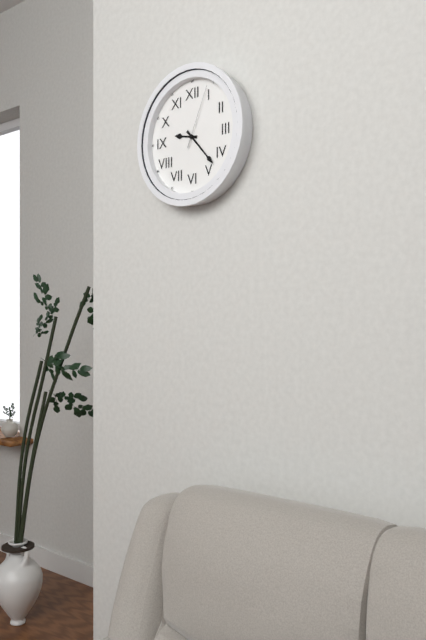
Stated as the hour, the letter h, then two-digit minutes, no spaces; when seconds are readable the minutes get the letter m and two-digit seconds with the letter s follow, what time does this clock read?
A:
9h23m04s
